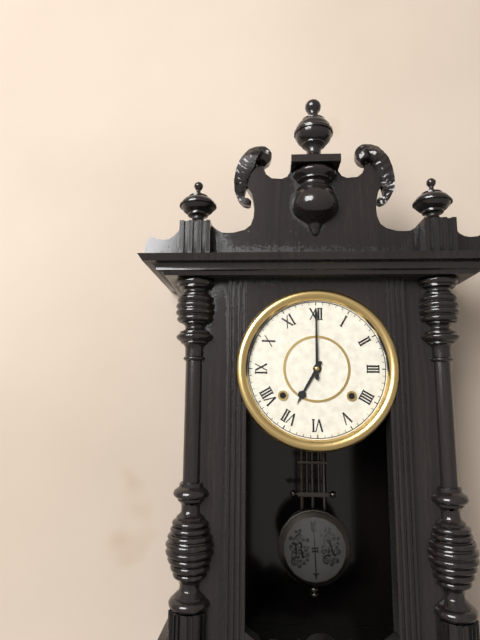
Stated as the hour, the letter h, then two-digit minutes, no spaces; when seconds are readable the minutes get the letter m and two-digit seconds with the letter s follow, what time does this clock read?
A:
7h00
